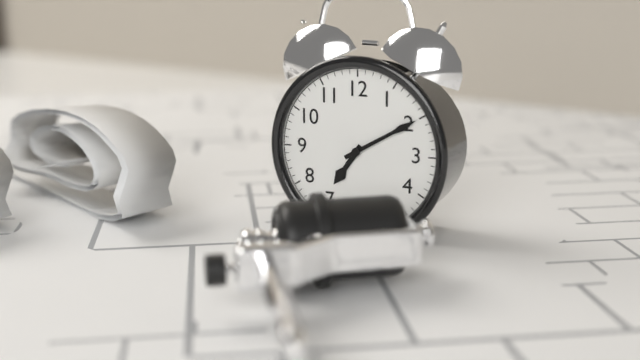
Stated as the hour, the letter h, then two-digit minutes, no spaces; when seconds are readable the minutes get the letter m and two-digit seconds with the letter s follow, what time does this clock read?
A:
7h10
